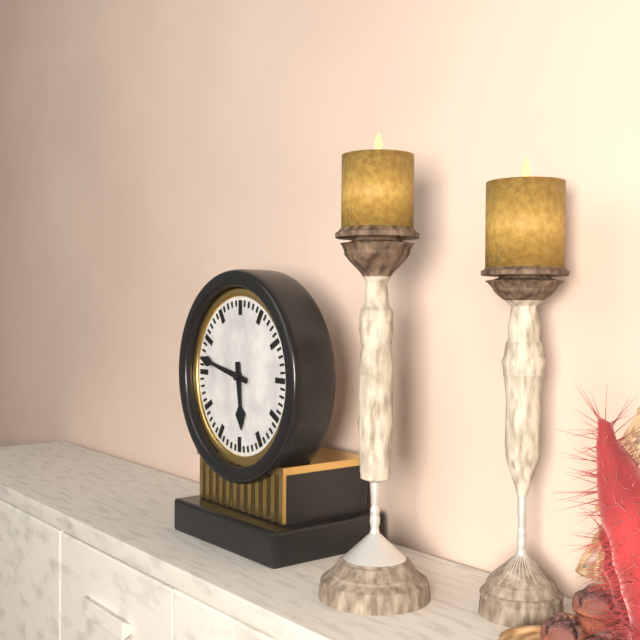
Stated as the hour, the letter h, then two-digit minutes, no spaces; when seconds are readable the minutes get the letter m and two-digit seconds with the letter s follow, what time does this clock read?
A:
5h47
